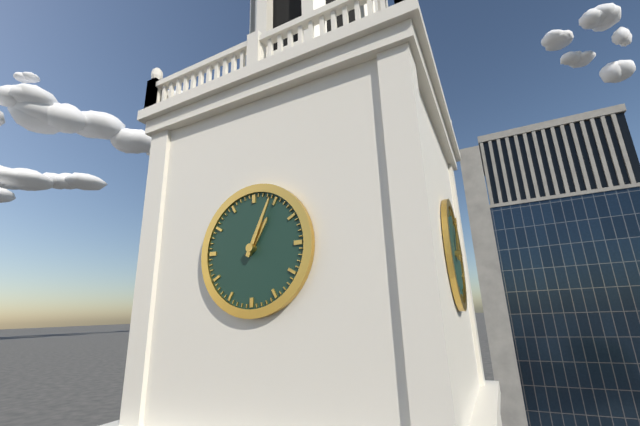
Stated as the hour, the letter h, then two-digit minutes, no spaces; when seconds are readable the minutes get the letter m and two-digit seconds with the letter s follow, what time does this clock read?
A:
1h04
